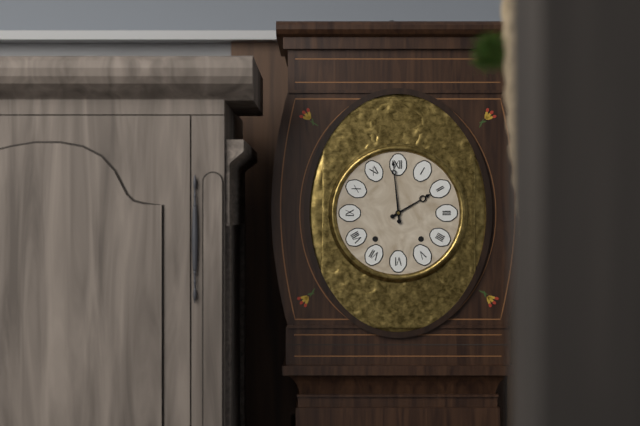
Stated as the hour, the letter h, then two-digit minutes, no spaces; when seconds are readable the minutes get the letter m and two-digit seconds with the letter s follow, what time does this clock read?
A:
1h59
